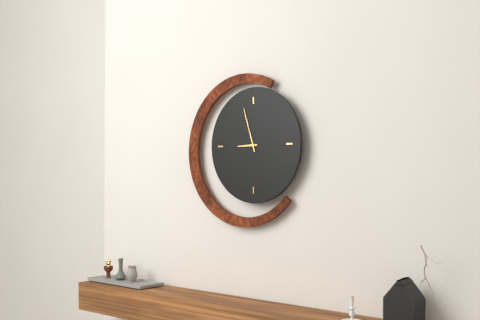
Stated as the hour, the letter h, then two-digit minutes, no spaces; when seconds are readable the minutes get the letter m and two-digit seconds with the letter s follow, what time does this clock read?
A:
8h57
